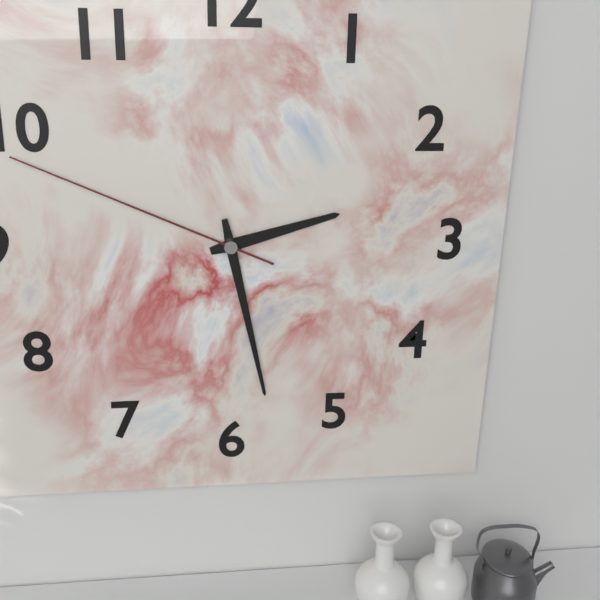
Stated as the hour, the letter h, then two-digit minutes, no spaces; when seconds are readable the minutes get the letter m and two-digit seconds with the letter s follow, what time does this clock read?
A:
2h28m49s
